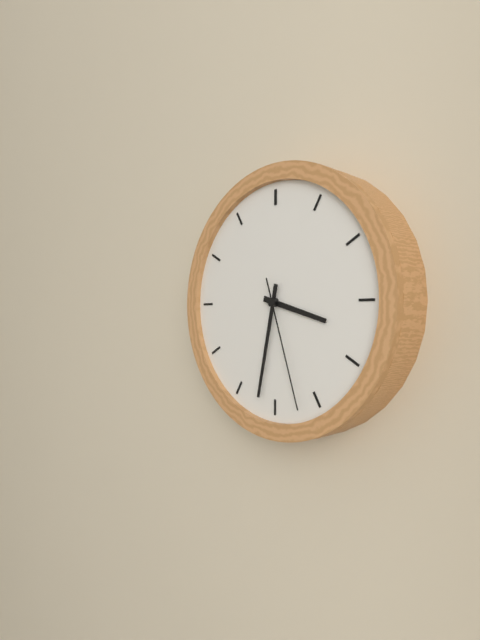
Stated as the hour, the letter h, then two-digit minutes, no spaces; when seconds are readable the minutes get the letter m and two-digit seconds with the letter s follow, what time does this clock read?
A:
3h32m27s
